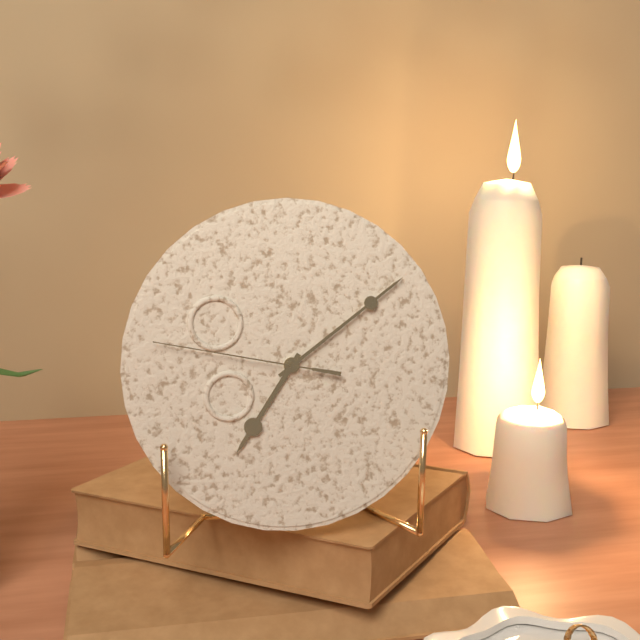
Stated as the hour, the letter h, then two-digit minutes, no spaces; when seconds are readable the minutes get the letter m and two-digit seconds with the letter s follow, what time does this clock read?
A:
7h09m47s
